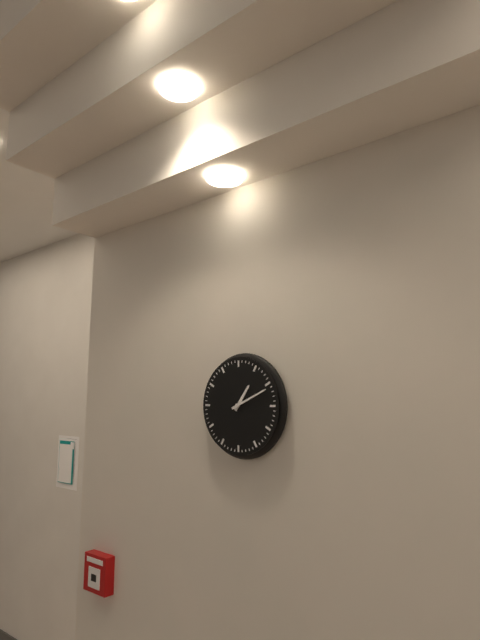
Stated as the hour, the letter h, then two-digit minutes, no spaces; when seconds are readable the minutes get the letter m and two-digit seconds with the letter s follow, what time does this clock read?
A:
1h11
